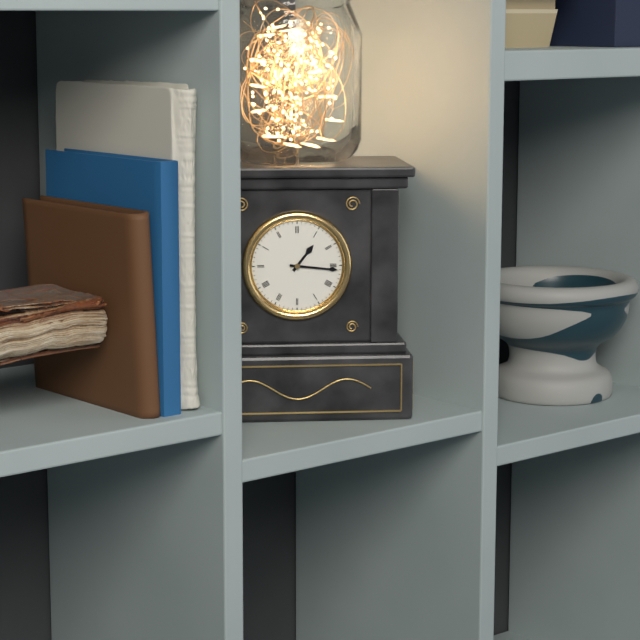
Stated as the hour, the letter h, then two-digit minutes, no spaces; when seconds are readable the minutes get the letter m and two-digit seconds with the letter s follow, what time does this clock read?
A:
1h16
